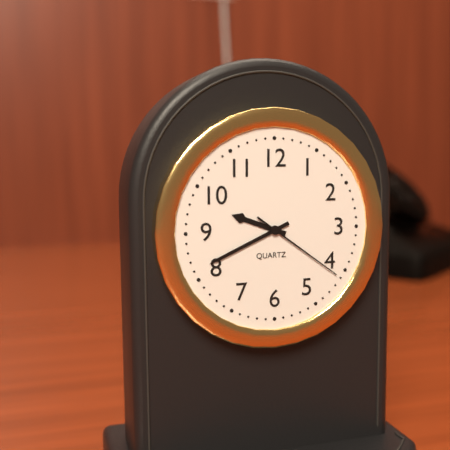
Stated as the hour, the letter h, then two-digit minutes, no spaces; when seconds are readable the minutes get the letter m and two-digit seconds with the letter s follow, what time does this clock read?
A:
9h41m21s
